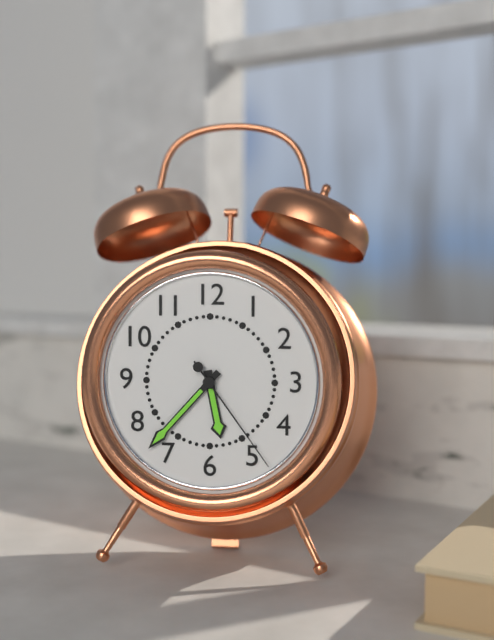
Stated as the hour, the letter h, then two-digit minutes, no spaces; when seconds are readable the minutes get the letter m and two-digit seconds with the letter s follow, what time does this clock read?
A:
5h37m24s
